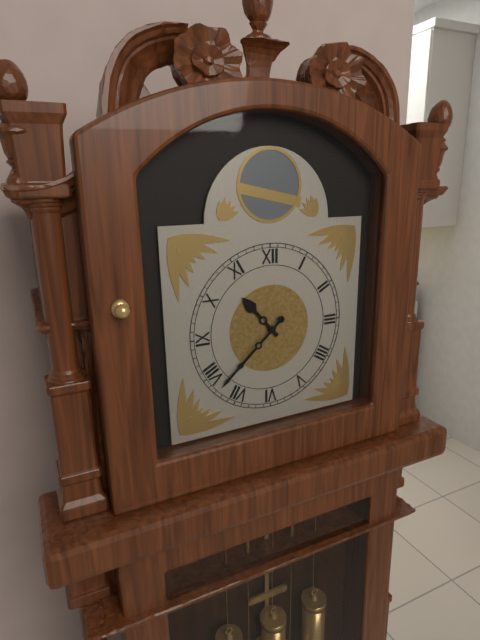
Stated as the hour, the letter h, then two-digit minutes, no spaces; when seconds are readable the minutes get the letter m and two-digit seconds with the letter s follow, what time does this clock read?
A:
10h38
